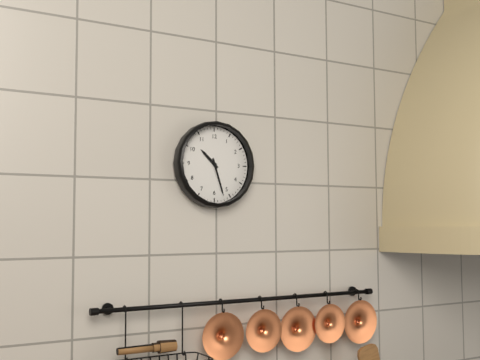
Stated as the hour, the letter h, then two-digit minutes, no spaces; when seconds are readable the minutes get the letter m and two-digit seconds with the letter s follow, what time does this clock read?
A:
10h27
